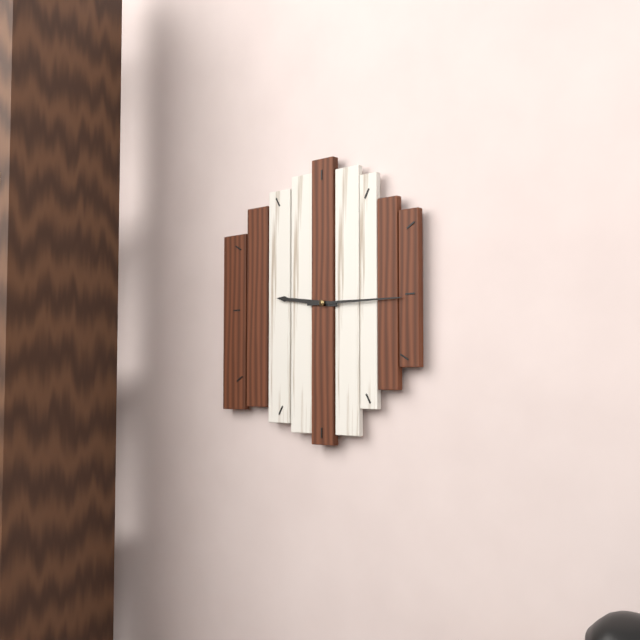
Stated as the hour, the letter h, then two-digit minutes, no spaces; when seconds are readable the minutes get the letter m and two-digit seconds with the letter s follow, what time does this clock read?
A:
9h15
